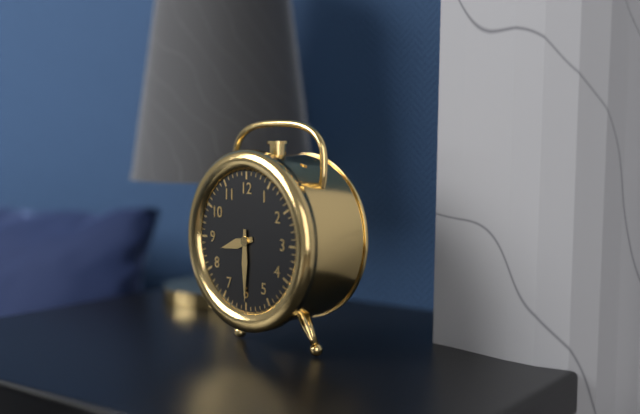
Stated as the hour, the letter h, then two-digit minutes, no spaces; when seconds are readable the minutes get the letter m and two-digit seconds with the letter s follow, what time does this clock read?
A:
8h30
